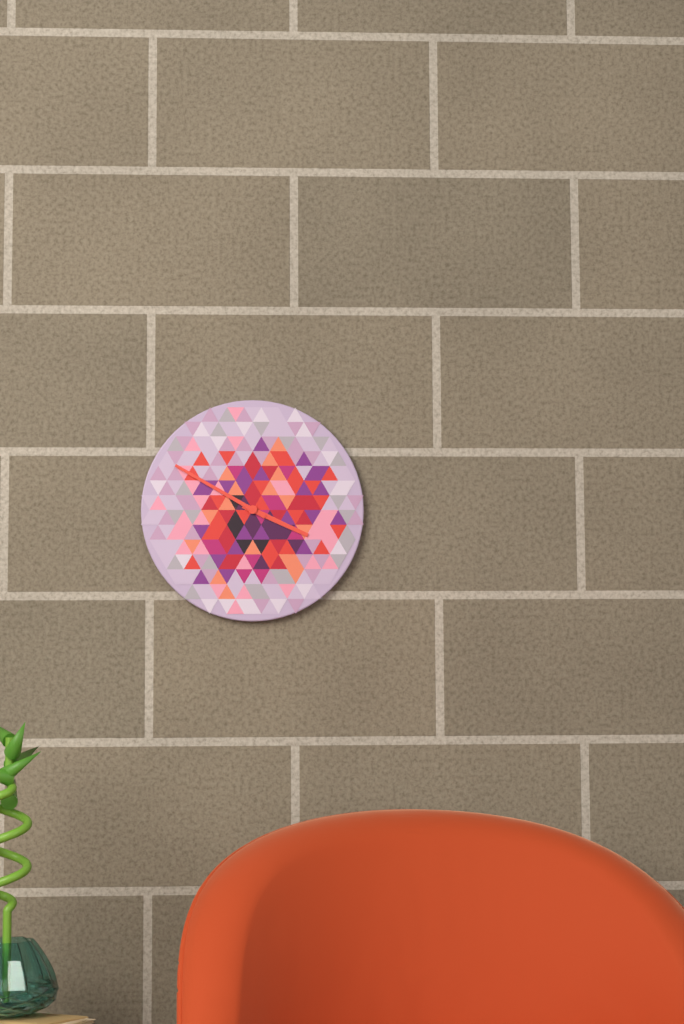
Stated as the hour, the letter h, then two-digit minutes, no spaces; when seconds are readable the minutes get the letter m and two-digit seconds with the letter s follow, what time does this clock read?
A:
3h50
